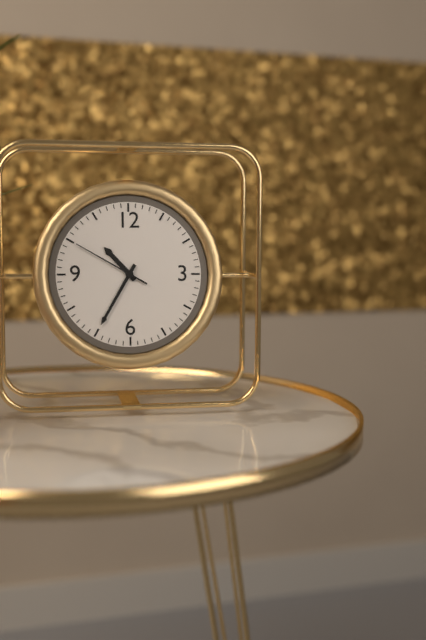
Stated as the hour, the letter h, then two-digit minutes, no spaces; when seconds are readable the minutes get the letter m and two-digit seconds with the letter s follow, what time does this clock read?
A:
10h35m50s
